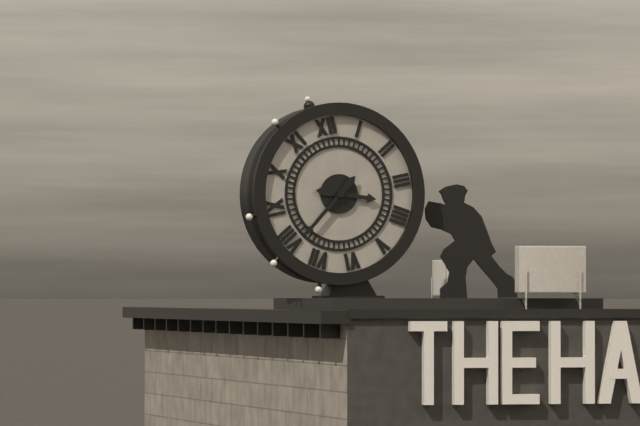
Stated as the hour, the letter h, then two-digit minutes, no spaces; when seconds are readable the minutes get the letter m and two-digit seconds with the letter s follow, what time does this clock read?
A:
3h39
